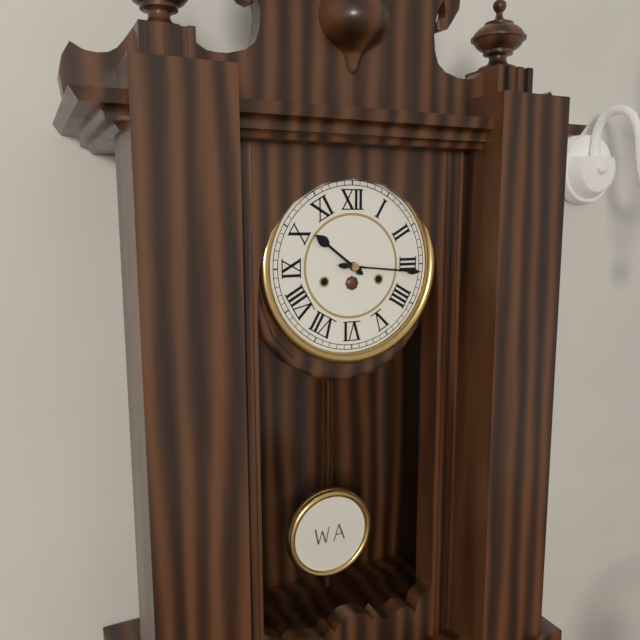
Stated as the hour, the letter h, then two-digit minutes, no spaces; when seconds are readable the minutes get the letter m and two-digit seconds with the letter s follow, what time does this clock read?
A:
10h16
